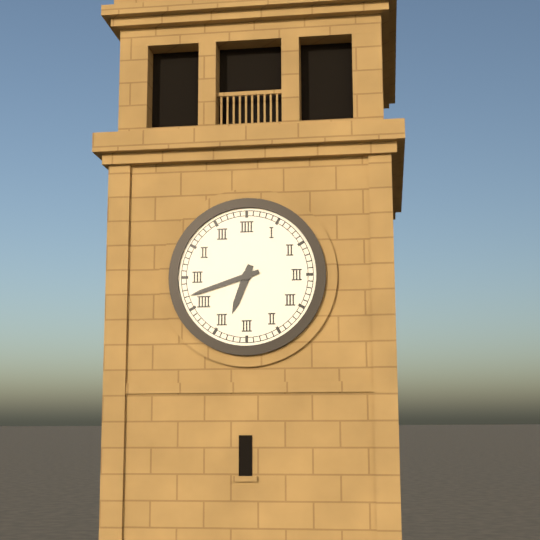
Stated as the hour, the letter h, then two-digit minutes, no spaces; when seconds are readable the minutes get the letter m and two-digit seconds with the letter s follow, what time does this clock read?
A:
6h42
